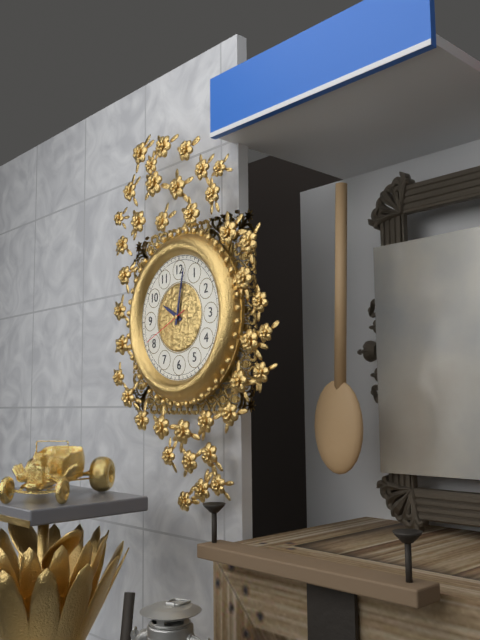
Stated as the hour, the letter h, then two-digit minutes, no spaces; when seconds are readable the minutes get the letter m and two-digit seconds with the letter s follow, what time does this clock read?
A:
10h02
